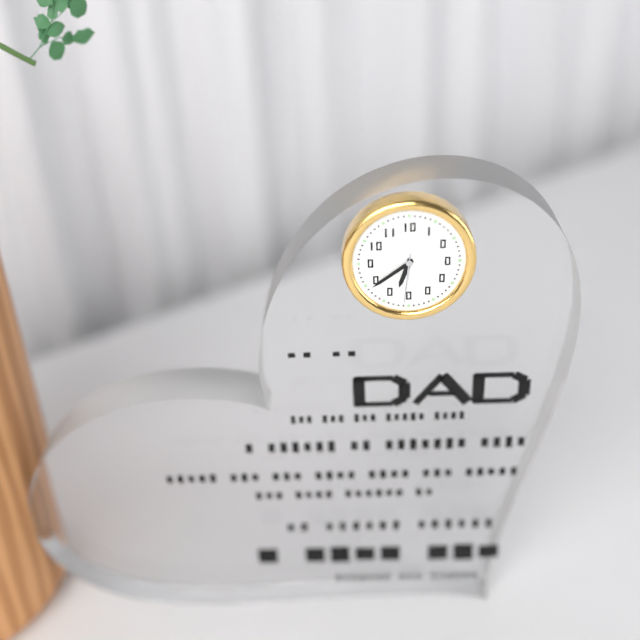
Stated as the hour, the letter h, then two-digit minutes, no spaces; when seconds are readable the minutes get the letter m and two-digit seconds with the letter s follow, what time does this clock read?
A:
6h39m31s
